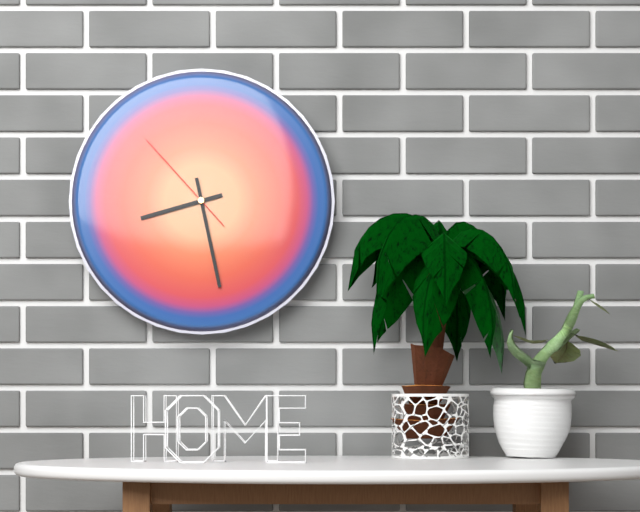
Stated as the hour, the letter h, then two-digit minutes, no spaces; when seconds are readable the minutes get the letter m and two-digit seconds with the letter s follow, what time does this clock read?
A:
8h28m53s
